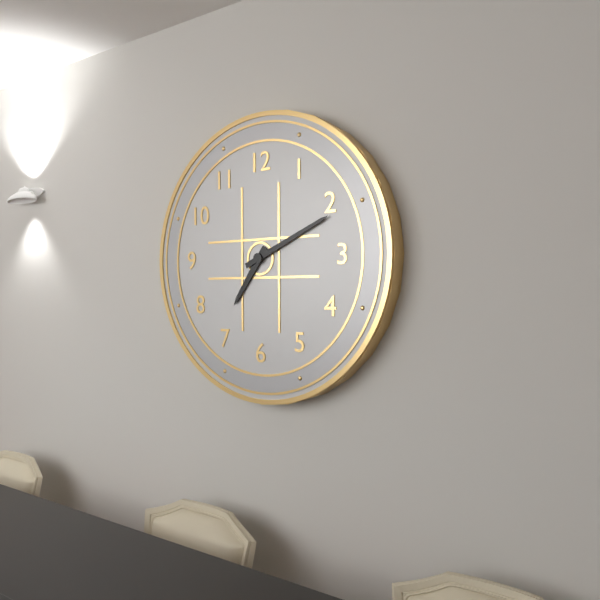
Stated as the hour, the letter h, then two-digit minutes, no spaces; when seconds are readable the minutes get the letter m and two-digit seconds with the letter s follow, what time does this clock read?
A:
7h11
